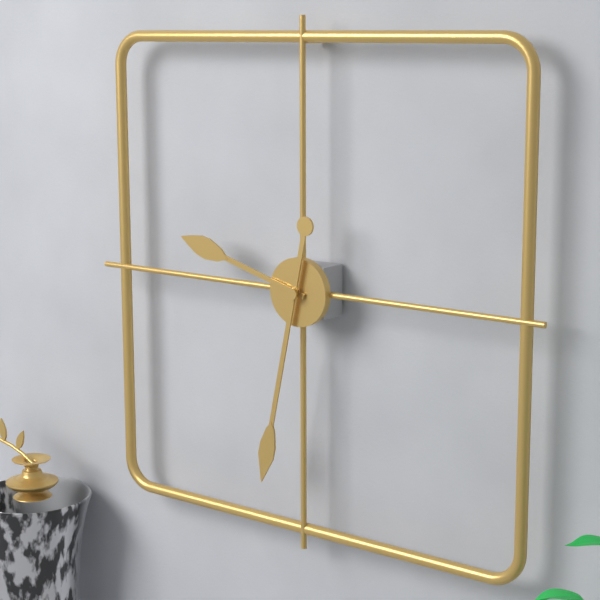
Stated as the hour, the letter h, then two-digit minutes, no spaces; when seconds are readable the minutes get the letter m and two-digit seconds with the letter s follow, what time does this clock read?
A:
9h32
